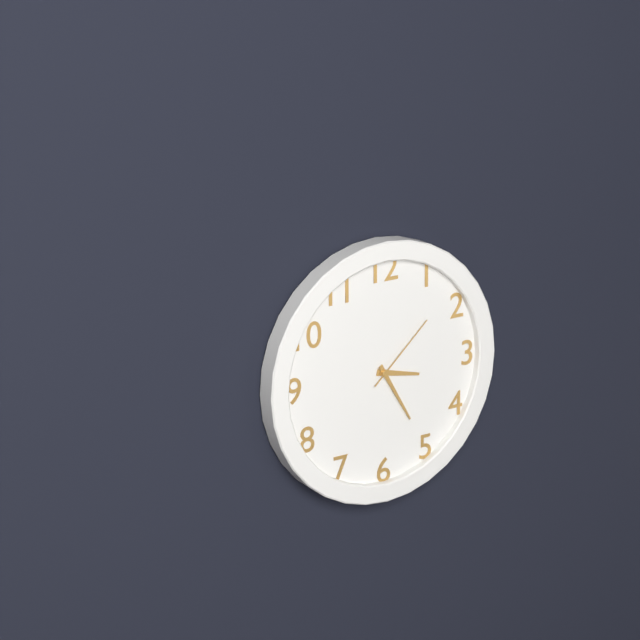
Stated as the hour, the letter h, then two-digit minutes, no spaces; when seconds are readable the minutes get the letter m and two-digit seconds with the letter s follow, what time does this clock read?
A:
3h25m08s
